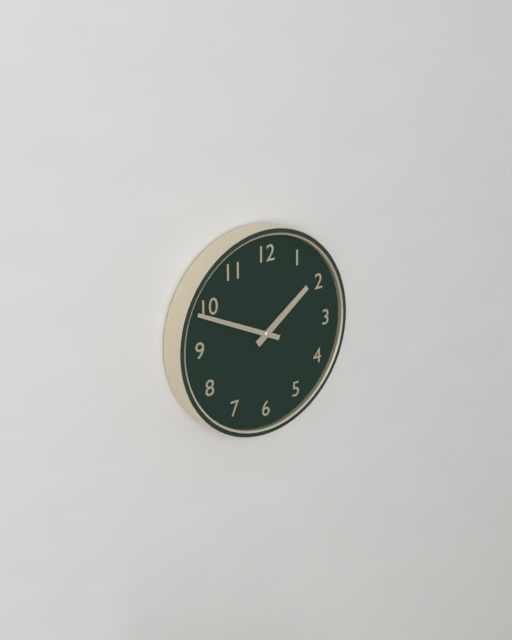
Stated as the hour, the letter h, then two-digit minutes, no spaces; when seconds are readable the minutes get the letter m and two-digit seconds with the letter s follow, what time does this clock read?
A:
1h49
